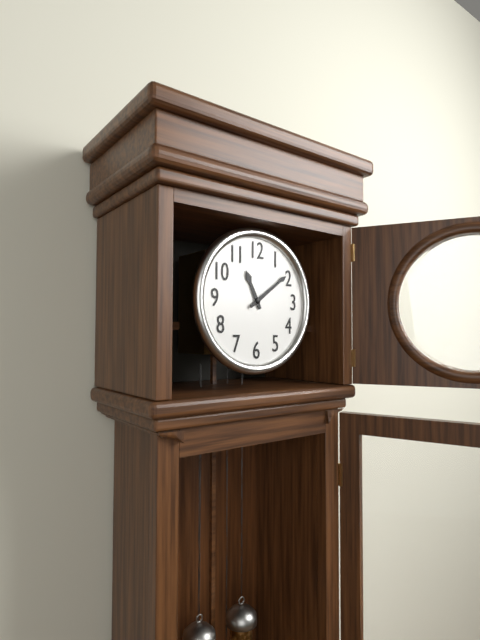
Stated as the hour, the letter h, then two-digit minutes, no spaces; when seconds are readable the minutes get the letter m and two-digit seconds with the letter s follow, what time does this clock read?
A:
11h09
